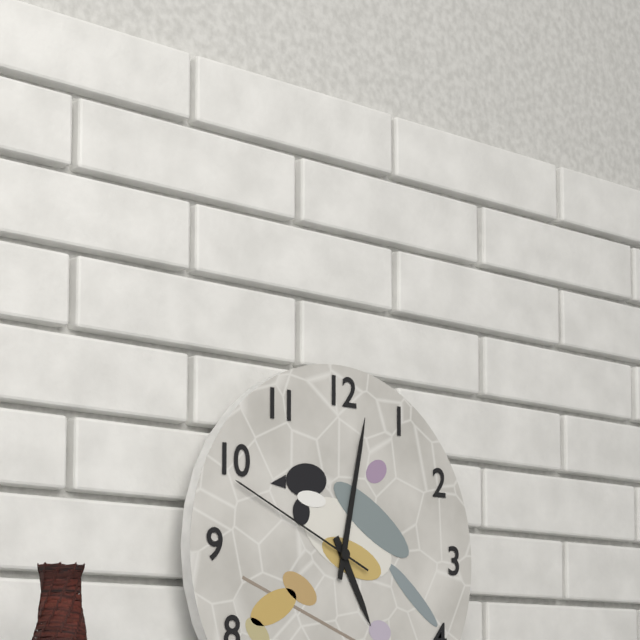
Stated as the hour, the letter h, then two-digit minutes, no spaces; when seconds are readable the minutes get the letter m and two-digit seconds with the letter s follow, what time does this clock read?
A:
5h02m49s
